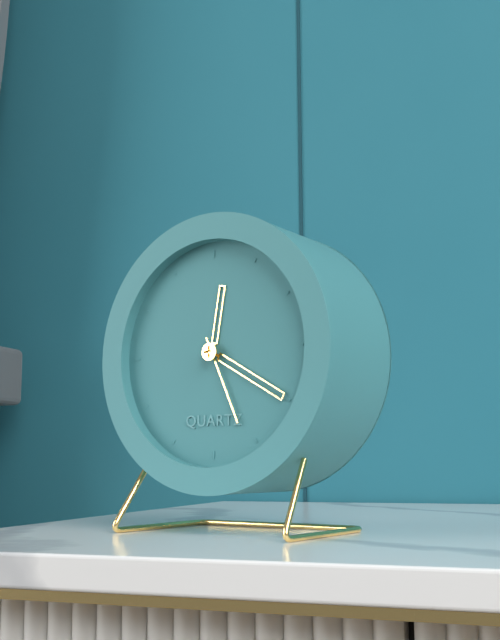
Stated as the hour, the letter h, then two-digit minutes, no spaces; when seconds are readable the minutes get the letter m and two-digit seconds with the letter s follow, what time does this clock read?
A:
12h20m26s
